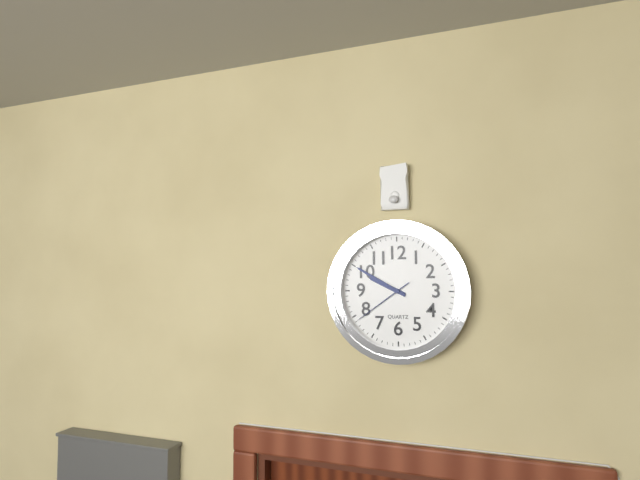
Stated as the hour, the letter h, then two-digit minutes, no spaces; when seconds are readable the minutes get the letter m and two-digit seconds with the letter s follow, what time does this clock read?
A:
9h50m39s
